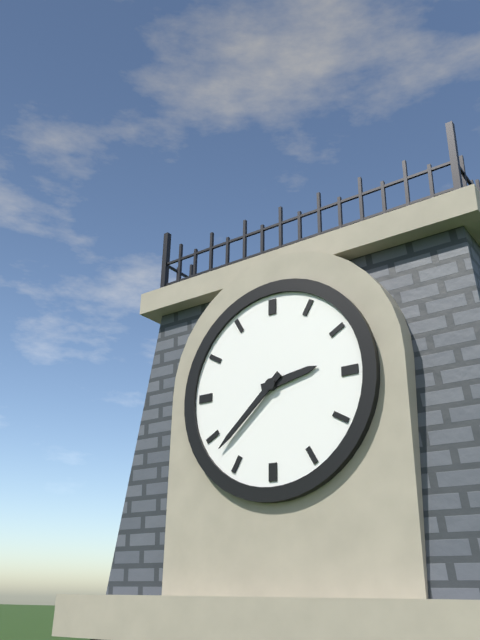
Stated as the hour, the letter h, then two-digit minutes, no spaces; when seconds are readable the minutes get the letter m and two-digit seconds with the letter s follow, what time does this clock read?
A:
2h38
